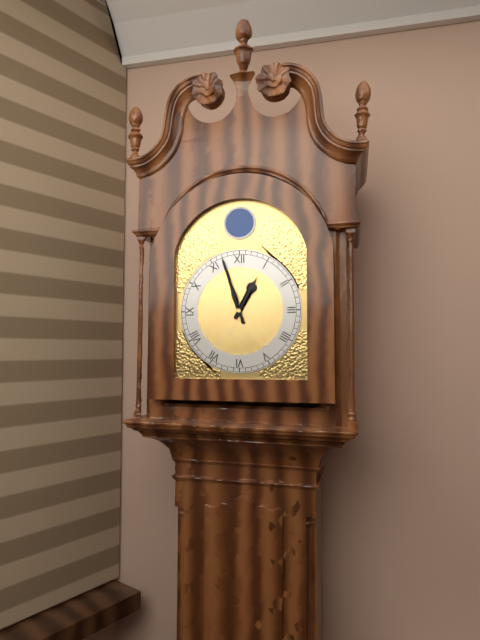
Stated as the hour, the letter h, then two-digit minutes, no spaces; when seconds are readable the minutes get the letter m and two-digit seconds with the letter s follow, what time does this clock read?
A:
12h57
